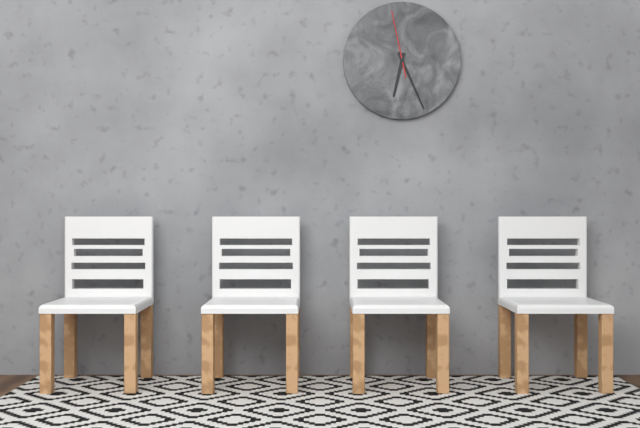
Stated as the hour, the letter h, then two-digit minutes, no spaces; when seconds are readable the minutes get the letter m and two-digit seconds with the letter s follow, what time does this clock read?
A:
6h26m58s
